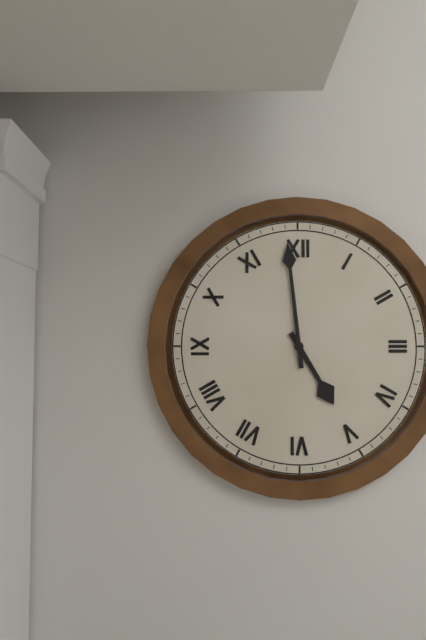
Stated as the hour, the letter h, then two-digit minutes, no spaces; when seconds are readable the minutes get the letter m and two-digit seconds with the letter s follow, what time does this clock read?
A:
4h59
